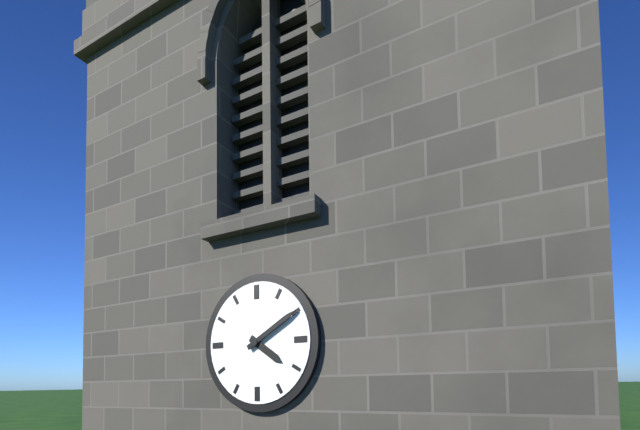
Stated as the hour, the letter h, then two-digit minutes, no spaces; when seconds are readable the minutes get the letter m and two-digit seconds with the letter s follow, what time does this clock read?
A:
4h10
